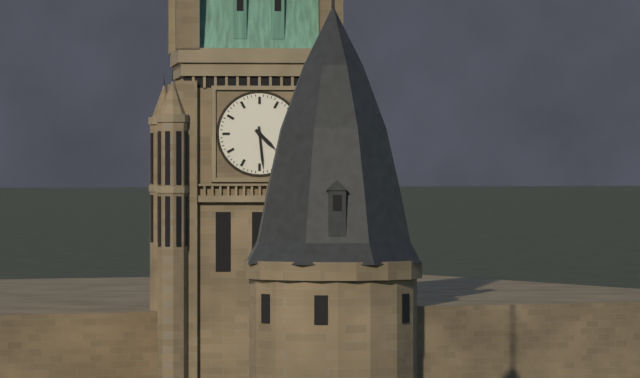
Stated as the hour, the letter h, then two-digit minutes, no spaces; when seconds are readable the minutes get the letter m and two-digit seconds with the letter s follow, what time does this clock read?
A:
4h29
